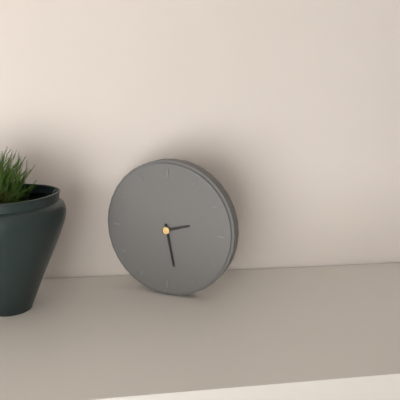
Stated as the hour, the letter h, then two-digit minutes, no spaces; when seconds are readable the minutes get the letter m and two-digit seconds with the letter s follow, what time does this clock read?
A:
2h28
